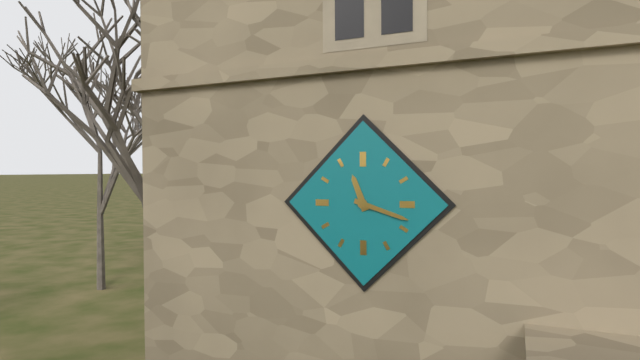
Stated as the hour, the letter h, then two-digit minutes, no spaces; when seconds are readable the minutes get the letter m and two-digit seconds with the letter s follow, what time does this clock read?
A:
11h18
